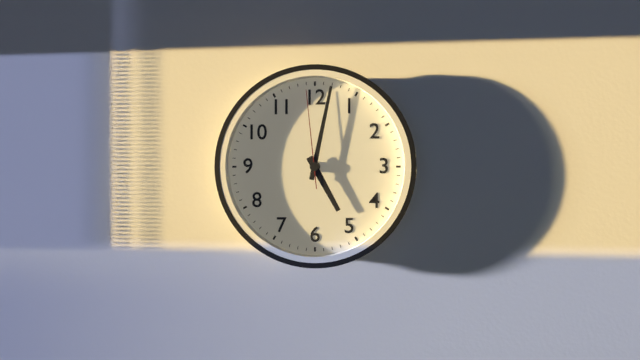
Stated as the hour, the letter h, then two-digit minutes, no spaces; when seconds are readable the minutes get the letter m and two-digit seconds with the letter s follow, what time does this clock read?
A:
5h02m59s
